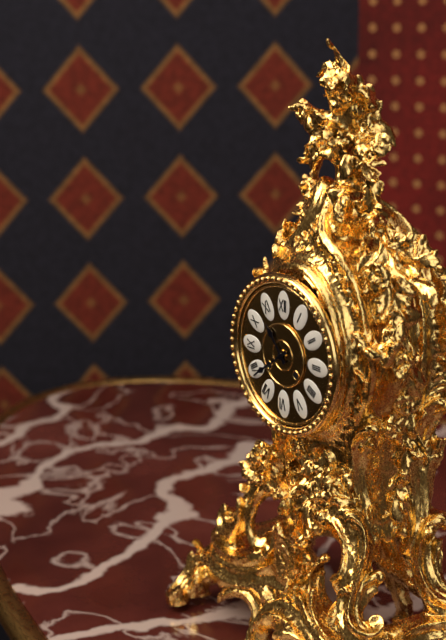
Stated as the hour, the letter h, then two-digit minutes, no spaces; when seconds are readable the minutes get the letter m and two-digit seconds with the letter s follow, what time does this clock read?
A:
10h39
